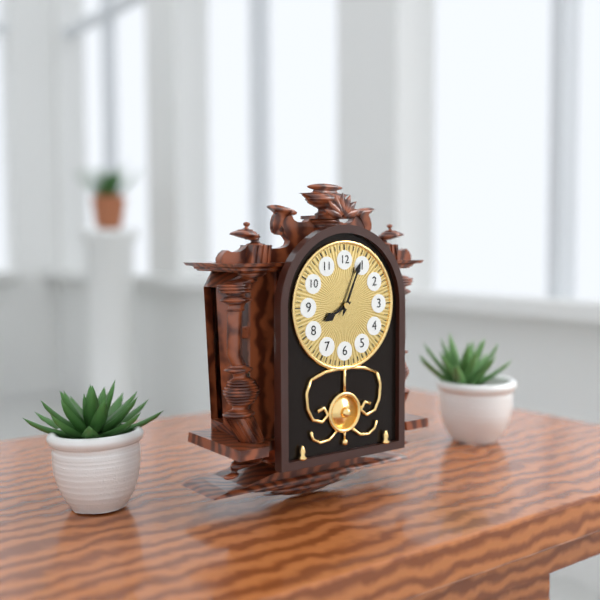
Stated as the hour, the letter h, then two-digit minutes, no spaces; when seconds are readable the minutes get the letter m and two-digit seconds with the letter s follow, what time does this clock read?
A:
8h04
